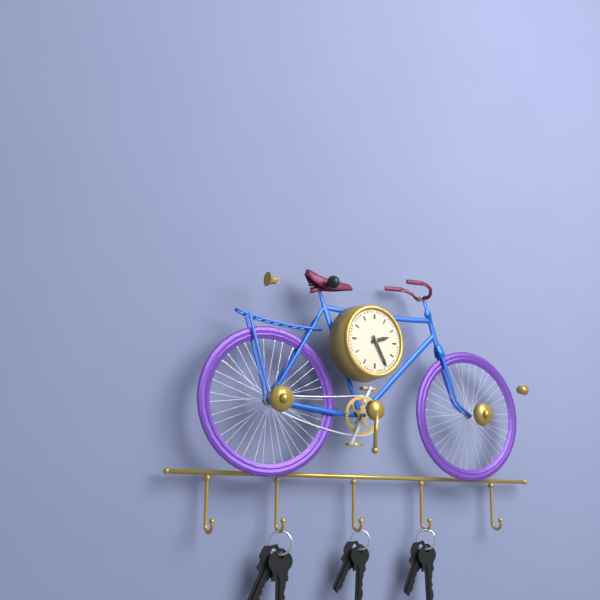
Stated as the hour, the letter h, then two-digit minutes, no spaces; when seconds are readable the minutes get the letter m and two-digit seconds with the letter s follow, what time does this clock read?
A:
2h25
